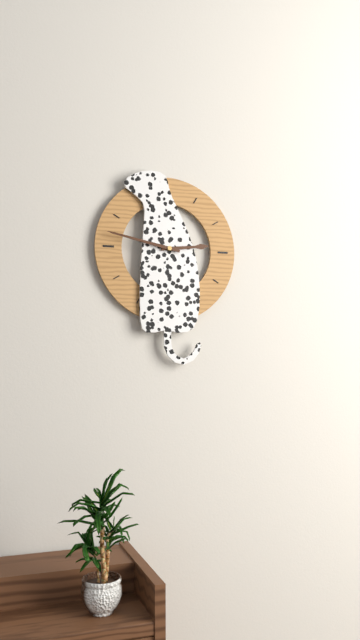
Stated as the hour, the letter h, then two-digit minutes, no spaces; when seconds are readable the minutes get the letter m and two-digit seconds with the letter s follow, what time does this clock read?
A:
2h47
